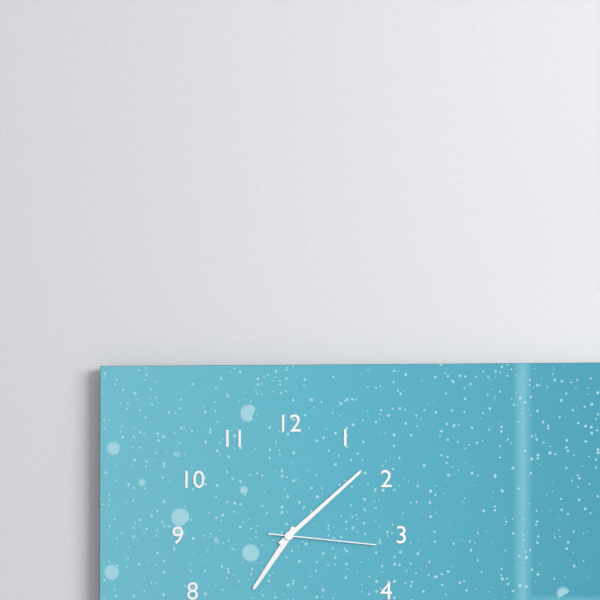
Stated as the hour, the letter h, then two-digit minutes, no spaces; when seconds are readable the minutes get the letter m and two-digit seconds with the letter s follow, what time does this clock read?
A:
7h08m16s
